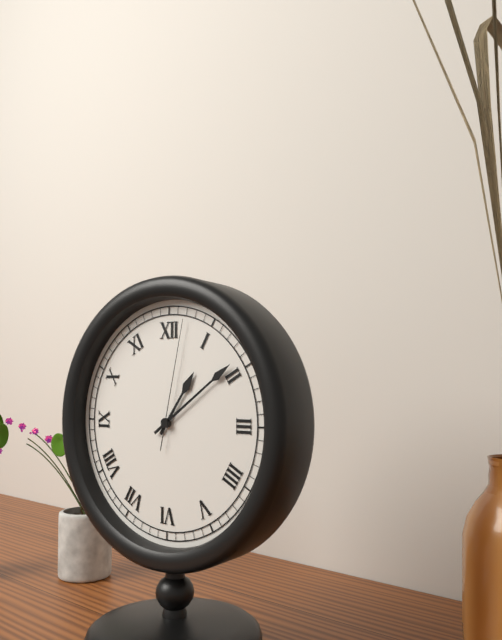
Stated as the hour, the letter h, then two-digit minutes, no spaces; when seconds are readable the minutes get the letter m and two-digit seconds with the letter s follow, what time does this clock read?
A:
1h09m02s
